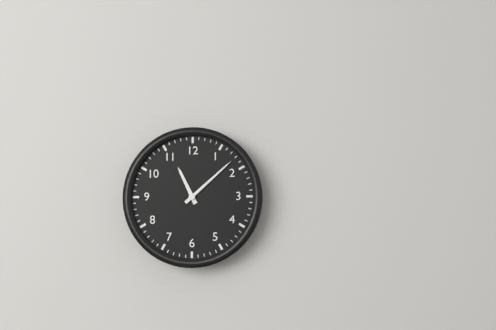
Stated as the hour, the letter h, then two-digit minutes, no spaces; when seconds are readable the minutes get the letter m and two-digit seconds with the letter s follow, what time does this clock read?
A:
11h08
